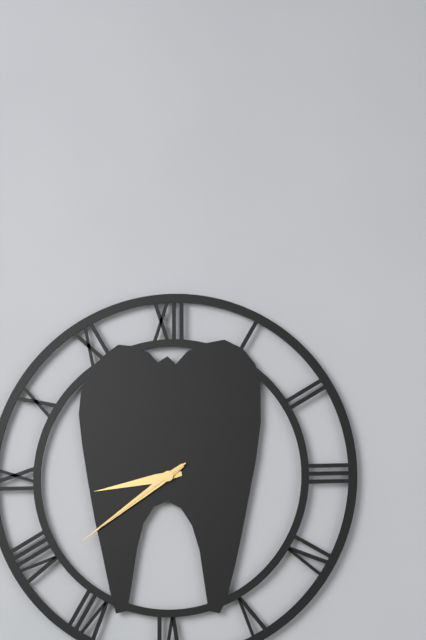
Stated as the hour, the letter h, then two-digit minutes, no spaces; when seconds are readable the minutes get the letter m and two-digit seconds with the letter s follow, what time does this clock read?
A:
8h39m39s
